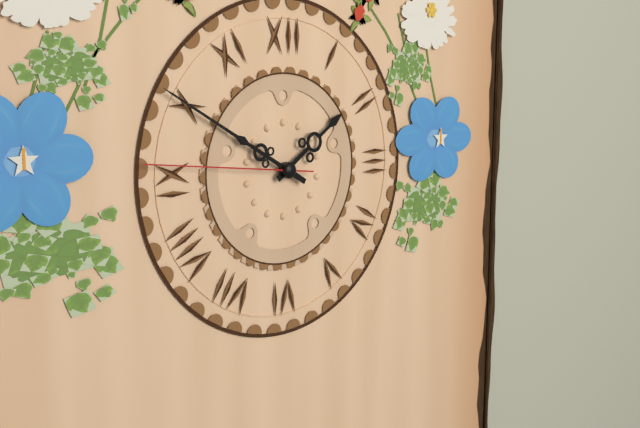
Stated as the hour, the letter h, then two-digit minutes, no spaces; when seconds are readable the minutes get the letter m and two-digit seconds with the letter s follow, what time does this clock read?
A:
1h50m46s
